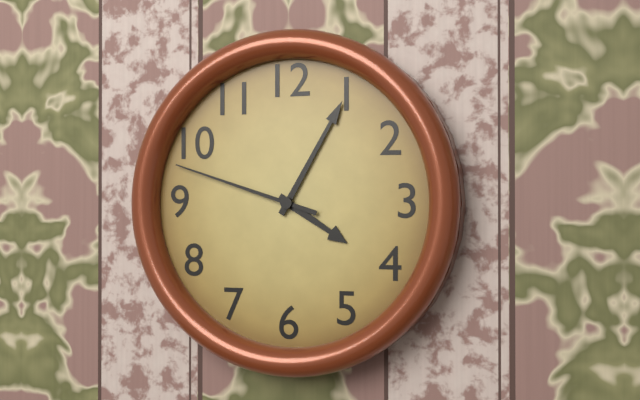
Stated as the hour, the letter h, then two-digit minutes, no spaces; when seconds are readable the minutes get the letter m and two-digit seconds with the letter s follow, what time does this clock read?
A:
4h05m48s
